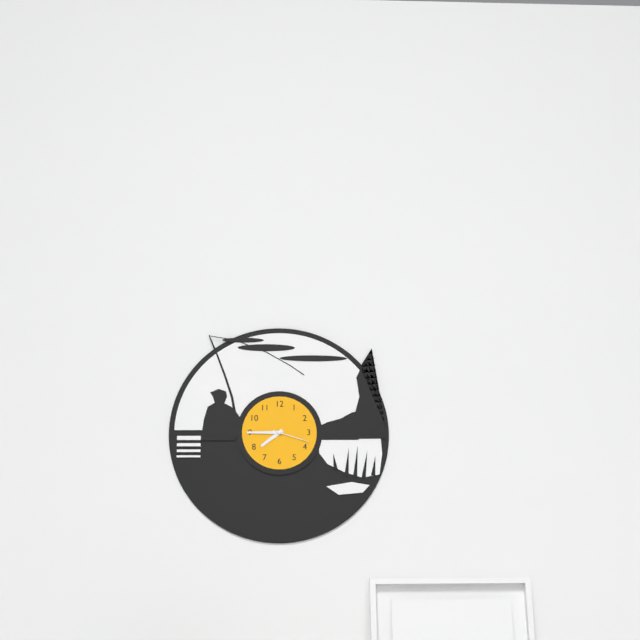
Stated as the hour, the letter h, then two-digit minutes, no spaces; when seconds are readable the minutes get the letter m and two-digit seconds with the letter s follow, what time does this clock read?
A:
7h45
